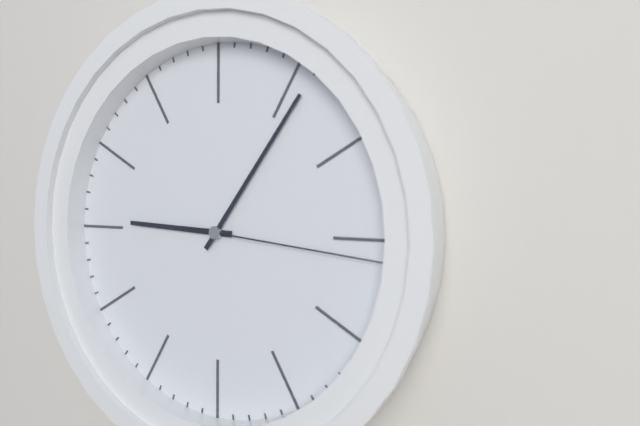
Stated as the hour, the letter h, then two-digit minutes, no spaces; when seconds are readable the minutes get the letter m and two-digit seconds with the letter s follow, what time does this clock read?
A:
9h06m16s
